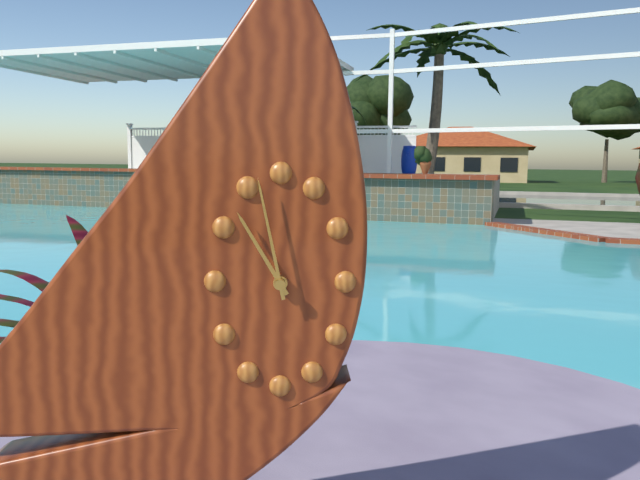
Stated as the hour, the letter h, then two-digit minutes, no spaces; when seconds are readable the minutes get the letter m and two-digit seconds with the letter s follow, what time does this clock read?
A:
10h58
